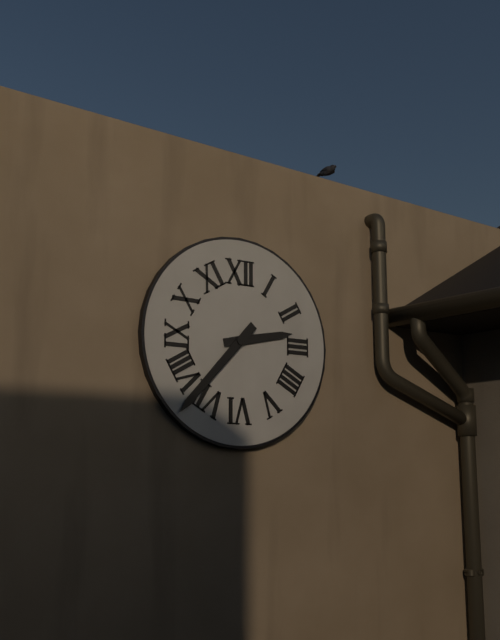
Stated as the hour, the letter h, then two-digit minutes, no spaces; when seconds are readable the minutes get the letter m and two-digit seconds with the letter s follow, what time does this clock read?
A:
2h37
